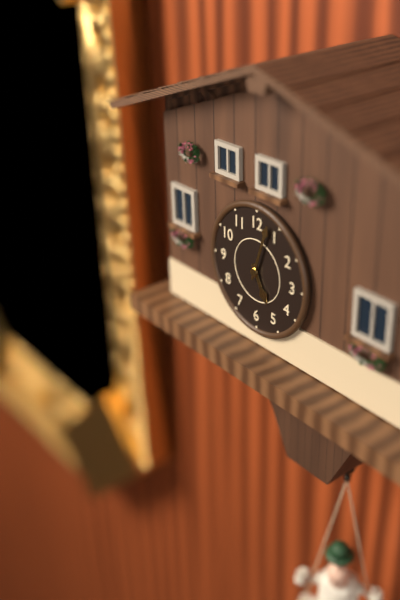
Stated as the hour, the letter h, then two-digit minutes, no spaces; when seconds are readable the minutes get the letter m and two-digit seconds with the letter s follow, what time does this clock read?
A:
5h03
